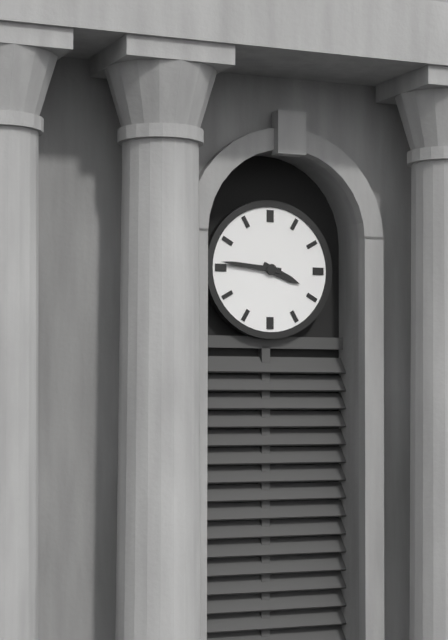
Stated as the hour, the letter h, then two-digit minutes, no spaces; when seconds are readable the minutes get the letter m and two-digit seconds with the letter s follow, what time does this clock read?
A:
3h46
